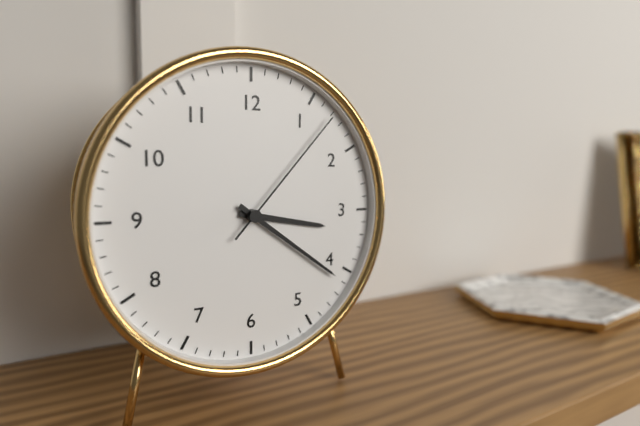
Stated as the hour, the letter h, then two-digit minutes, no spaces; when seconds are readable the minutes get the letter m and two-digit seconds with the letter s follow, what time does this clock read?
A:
3h21m07s
